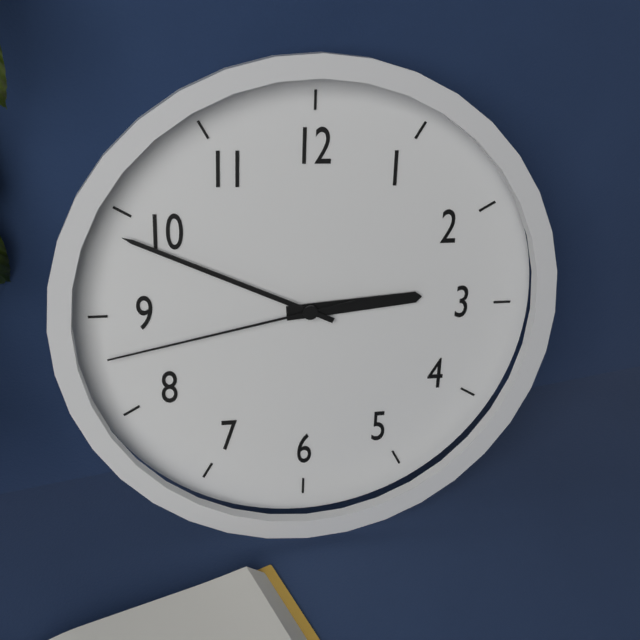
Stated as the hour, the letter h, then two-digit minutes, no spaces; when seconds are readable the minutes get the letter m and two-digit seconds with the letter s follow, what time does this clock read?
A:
2h49m43s
